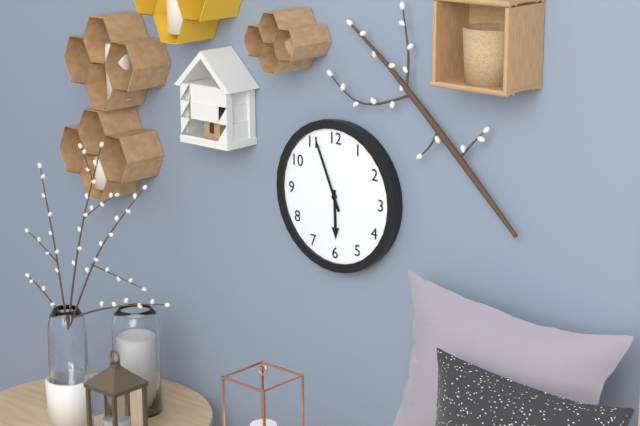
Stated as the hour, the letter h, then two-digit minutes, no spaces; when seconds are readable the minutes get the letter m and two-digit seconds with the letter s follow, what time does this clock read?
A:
5h56
